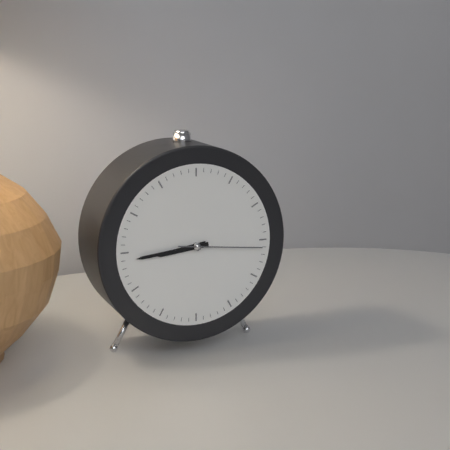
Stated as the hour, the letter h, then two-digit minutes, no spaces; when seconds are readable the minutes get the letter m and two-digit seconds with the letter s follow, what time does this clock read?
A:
8h44m16s
